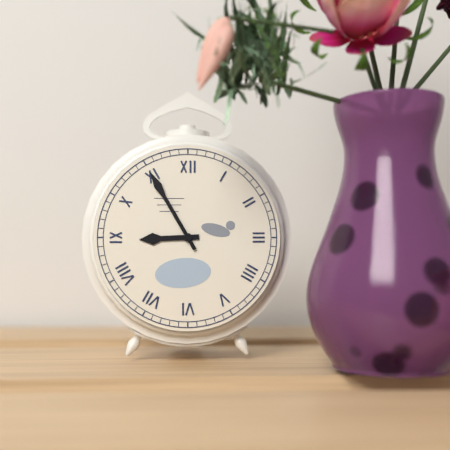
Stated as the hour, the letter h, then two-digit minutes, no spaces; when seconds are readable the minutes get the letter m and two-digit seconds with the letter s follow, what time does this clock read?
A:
8h55
